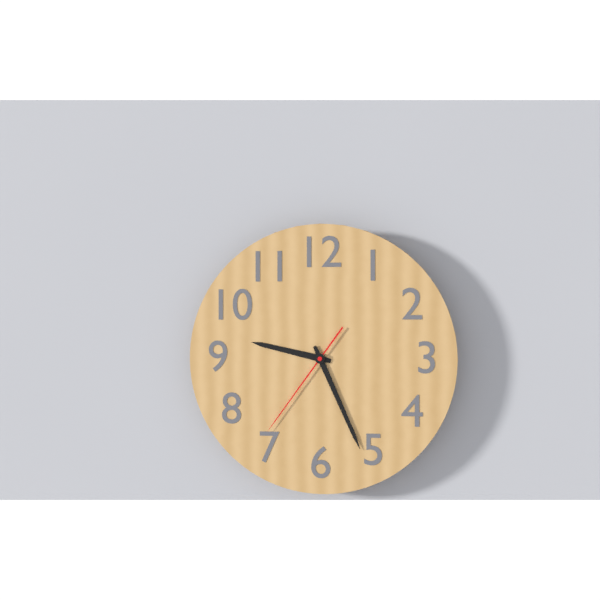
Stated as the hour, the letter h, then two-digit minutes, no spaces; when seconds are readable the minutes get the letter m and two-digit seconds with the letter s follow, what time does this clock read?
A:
9h26m36s
